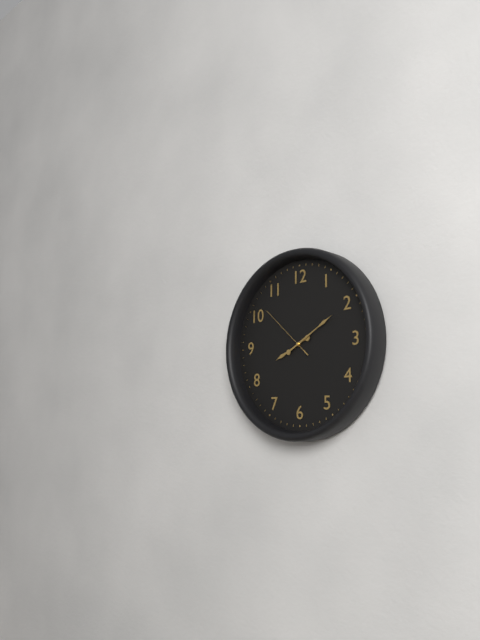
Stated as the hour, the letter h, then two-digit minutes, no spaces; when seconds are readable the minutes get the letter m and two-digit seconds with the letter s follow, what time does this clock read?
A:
8h10m52s
